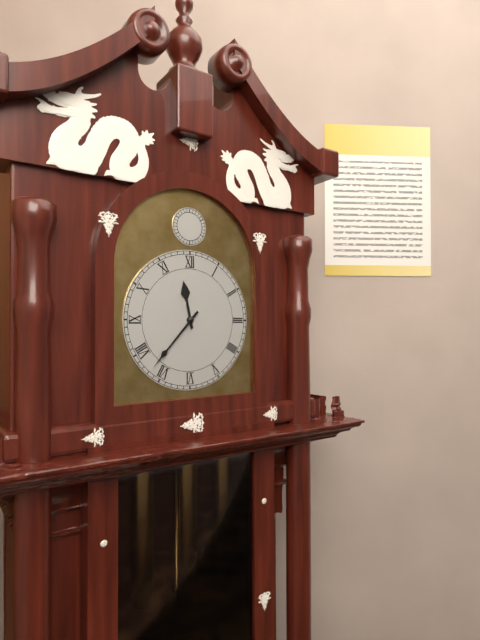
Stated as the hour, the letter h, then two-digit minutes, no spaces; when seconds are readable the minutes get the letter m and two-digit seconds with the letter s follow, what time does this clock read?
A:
11h37
